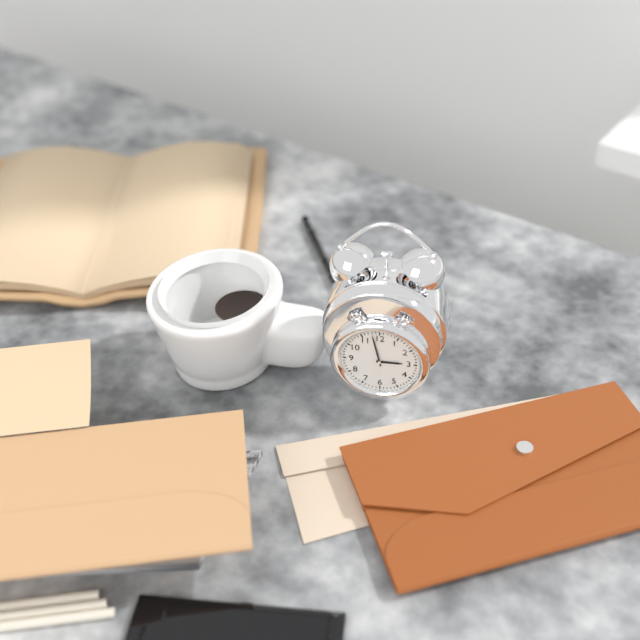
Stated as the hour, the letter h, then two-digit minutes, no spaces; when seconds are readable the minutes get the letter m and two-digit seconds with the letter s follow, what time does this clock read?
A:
2h58
